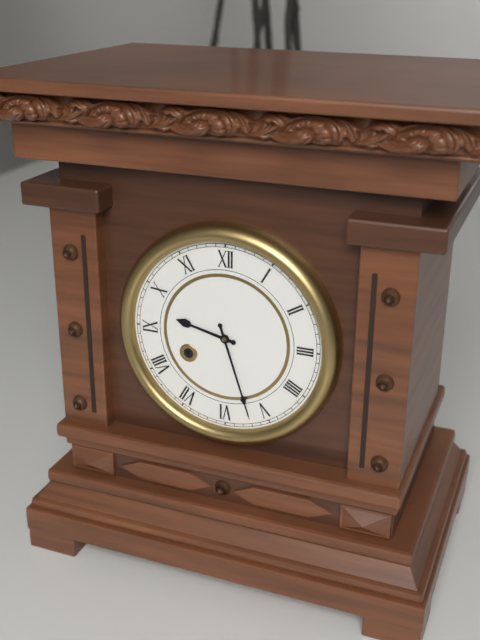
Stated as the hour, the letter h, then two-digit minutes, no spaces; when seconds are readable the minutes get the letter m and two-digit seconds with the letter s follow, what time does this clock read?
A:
9h27
